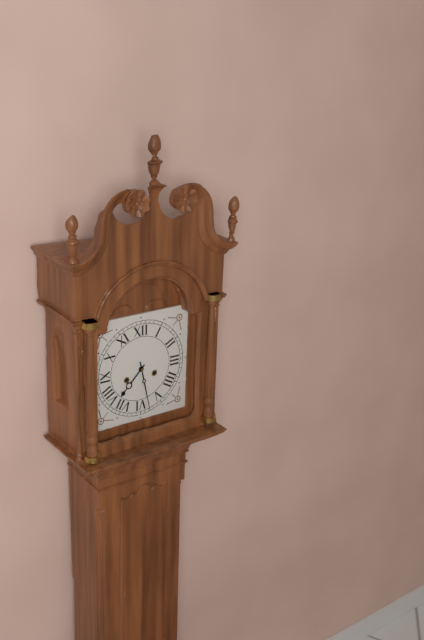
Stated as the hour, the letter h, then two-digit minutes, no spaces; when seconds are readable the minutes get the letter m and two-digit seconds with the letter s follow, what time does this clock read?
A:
7h28
